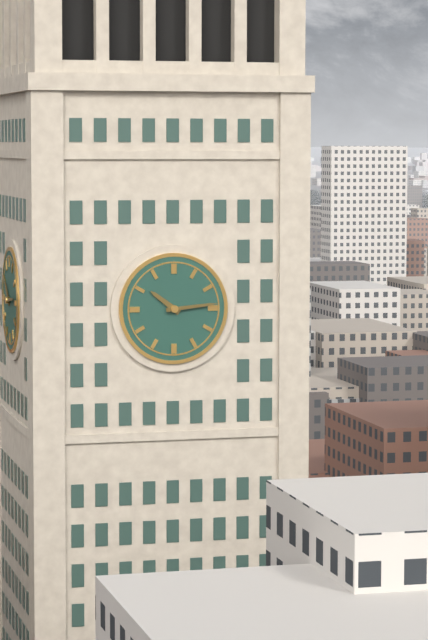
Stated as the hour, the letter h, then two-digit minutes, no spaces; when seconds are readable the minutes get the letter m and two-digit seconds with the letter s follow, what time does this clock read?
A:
10h14
